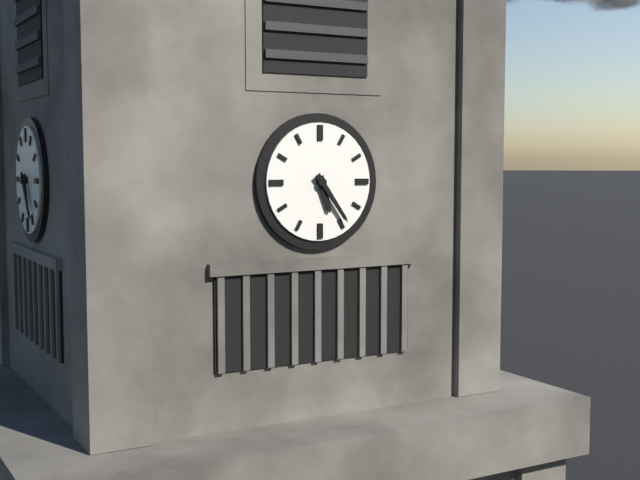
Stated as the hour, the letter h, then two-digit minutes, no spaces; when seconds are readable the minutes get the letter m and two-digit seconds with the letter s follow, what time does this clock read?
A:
5h24
